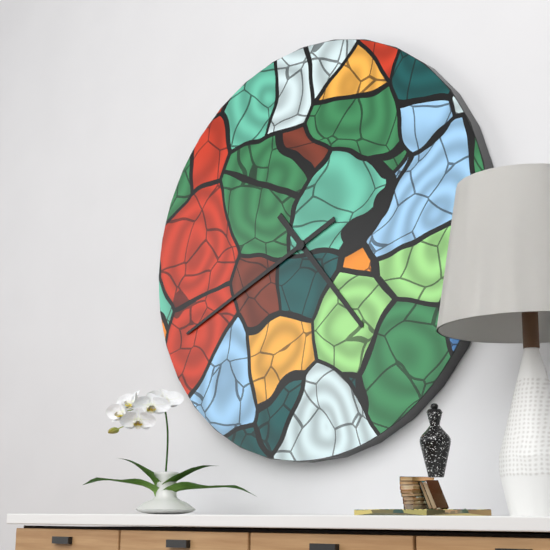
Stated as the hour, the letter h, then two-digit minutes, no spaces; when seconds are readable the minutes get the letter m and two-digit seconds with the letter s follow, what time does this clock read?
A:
4h41
